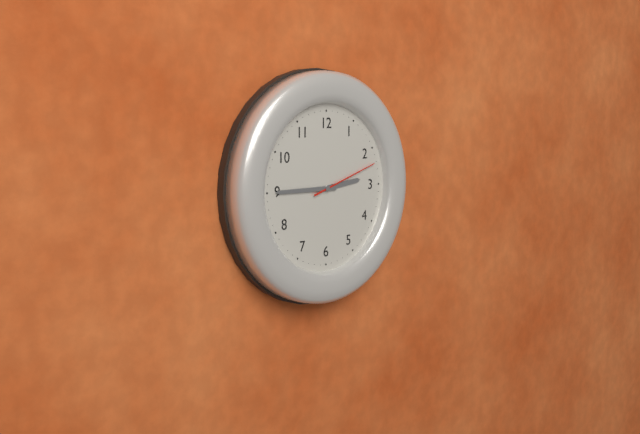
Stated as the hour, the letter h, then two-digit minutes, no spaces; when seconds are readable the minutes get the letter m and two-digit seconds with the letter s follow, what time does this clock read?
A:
2h45m12s
